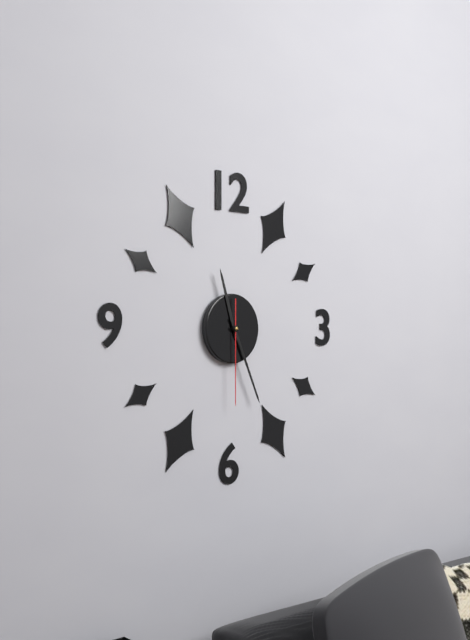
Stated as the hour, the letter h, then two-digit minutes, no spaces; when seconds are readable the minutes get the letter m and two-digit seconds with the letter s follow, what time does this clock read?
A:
11h26m30s
